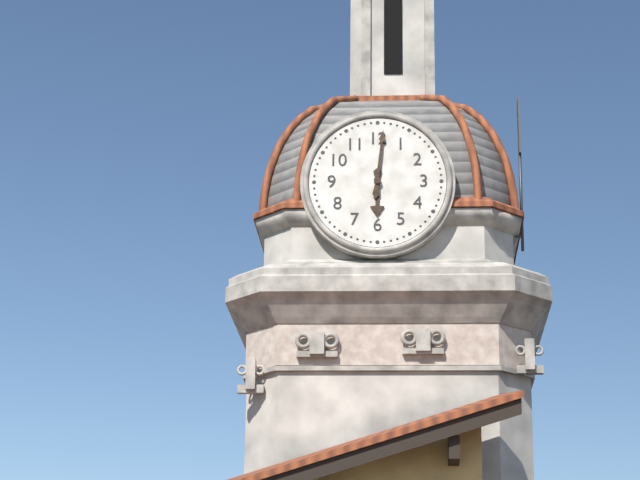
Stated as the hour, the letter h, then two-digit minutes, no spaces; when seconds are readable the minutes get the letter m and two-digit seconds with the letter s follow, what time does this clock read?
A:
6h01
